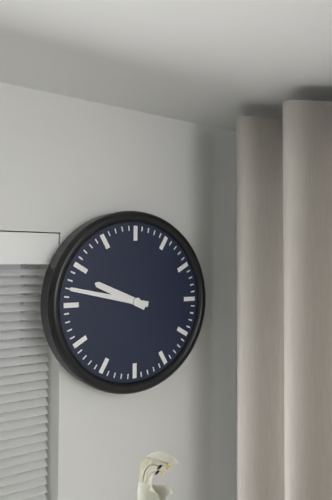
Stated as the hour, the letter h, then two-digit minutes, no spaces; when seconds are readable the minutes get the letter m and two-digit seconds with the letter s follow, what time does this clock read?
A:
9h47
